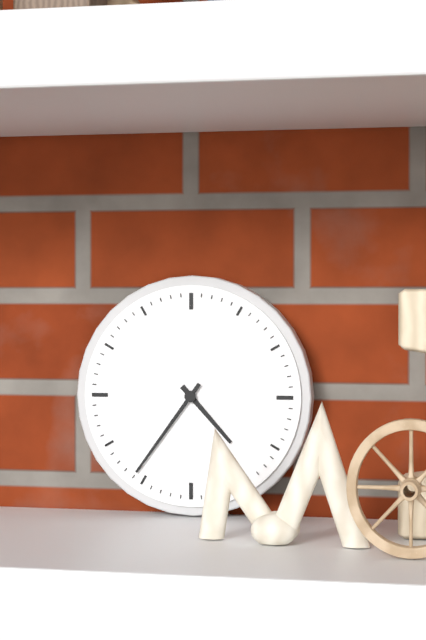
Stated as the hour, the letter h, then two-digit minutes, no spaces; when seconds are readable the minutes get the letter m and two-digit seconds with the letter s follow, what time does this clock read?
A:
4h36
